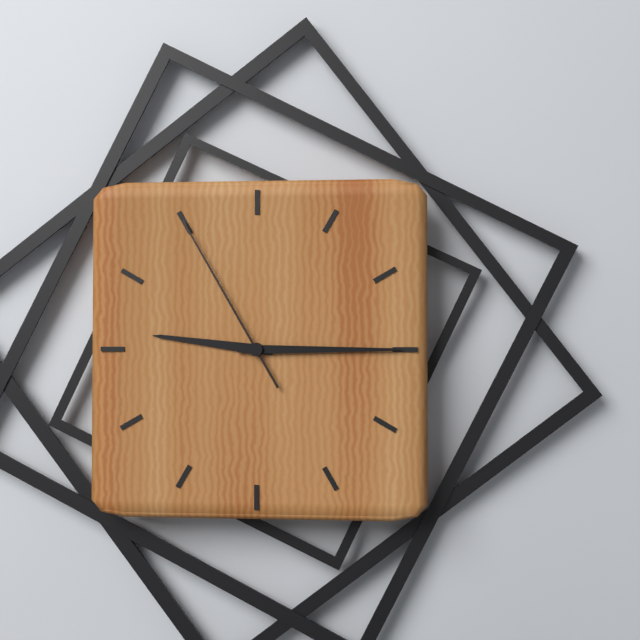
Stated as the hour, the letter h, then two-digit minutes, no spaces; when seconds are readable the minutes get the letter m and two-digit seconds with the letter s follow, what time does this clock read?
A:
9h15m55s
